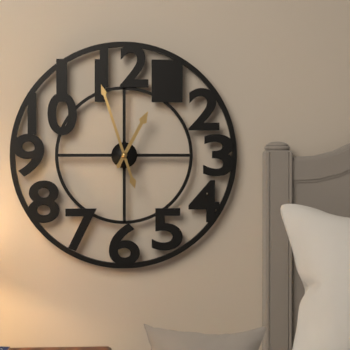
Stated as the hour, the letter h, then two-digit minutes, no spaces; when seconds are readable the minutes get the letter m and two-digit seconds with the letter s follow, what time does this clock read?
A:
12h57
